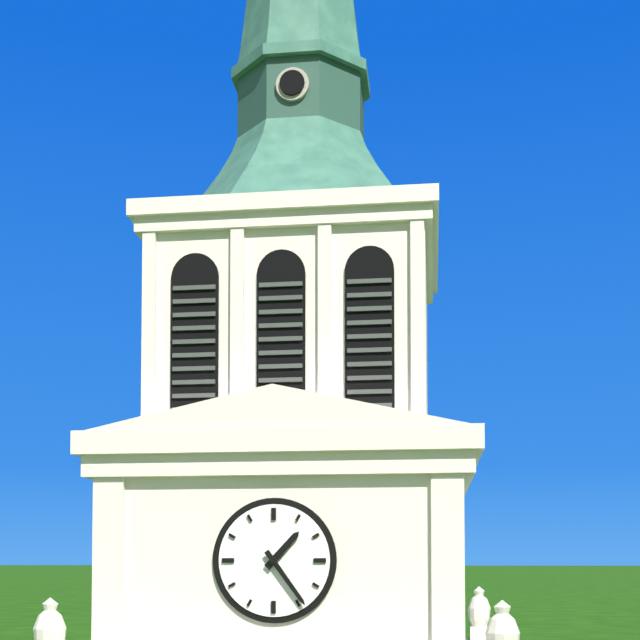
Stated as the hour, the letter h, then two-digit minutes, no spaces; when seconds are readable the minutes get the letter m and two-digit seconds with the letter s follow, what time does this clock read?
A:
1h24
